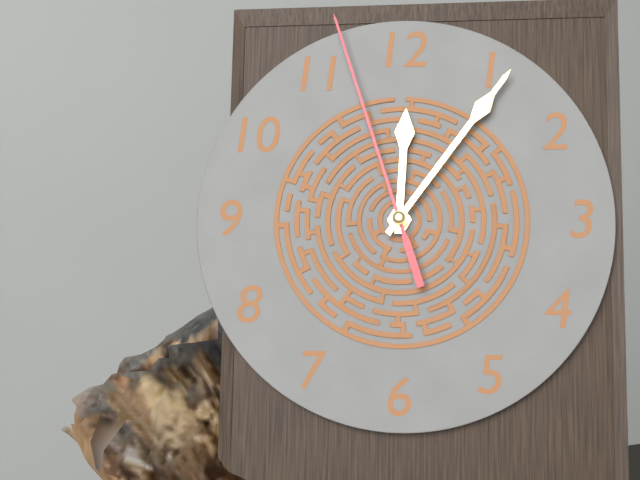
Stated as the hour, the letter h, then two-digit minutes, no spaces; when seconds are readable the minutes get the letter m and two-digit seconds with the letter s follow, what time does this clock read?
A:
12h06m57s
